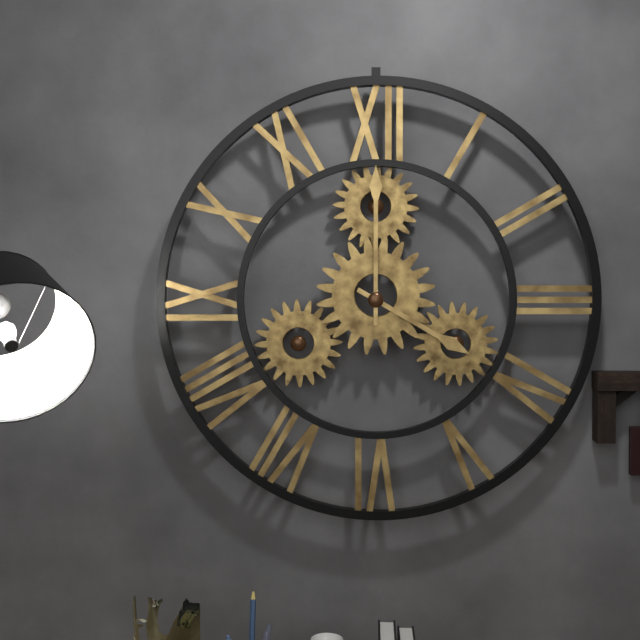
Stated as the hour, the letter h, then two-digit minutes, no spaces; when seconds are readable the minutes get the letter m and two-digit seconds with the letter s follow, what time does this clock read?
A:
4h00
